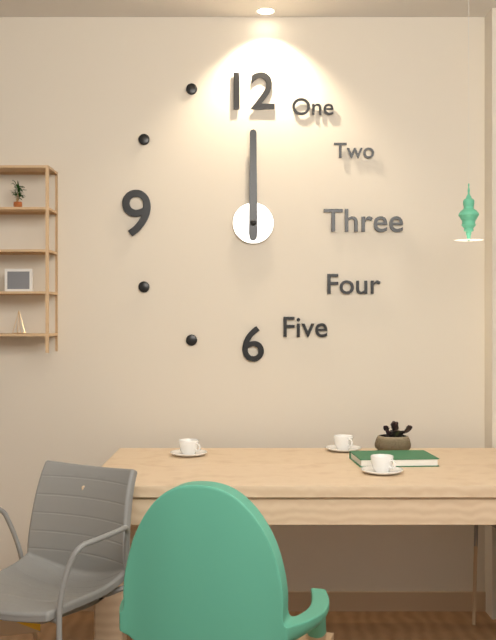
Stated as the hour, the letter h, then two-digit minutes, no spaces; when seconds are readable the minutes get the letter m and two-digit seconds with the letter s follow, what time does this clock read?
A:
12h00
